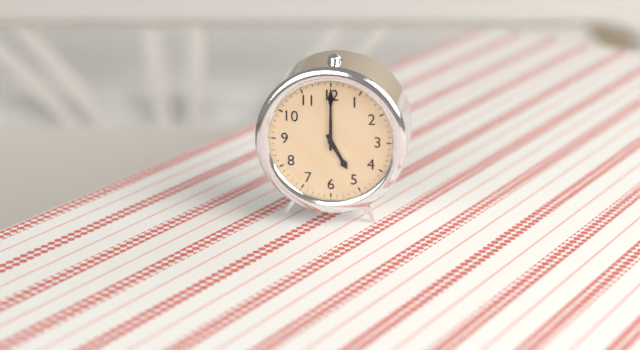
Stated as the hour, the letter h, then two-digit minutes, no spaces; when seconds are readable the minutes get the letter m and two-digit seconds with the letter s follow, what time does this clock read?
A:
5h00
